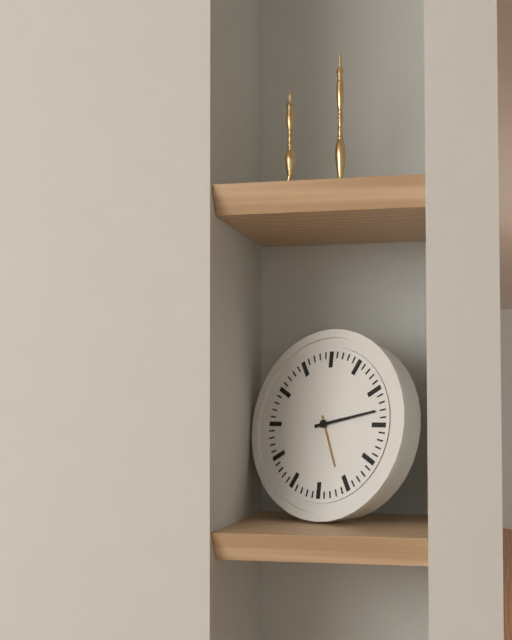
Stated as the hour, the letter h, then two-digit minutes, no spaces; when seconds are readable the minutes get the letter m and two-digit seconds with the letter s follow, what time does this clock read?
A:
5h13
